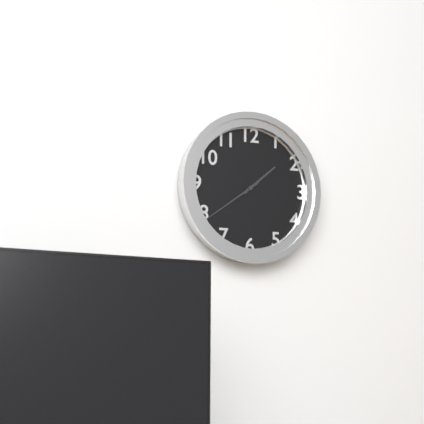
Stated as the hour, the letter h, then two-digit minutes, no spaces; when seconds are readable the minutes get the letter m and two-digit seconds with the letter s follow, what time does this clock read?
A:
1h39
